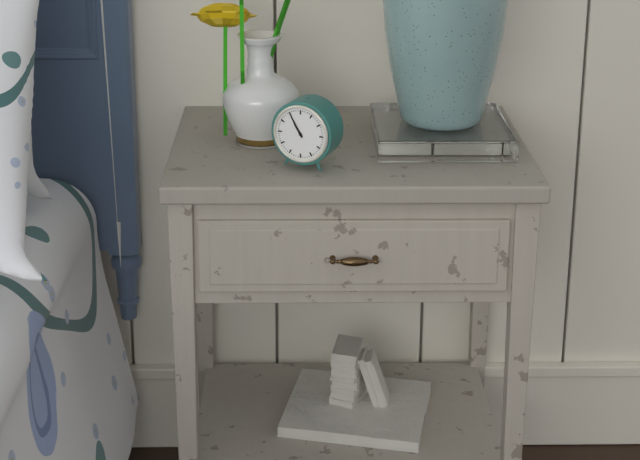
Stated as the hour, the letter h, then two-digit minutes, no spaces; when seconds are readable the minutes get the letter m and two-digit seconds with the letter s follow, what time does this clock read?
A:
10h55
